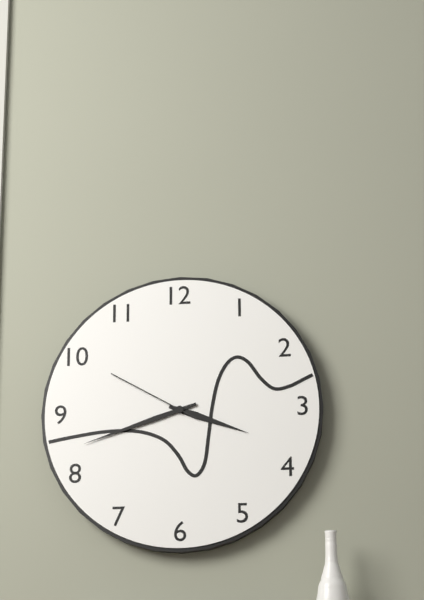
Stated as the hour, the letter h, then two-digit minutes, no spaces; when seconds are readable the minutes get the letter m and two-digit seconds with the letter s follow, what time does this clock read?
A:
3h42m50s
